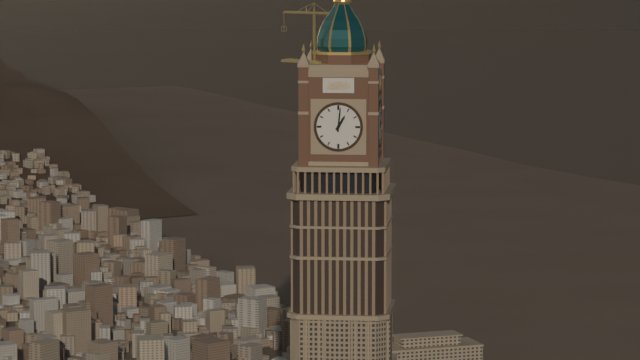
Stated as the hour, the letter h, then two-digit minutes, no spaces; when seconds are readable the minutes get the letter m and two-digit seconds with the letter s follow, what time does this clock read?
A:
1h01
